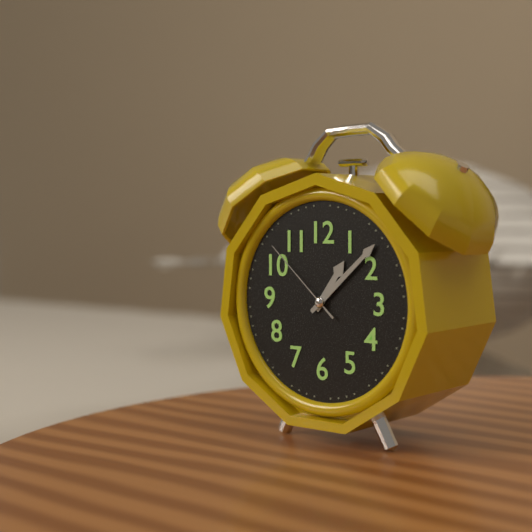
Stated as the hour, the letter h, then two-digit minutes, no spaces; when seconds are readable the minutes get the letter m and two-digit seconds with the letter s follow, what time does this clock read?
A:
1h08m52s
